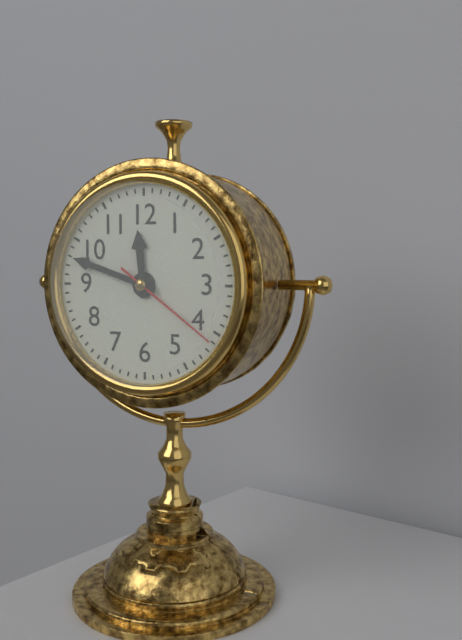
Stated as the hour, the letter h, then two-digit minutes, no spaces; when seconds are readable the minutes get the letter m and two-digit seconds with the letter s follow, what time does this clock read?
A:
11h48m21s
